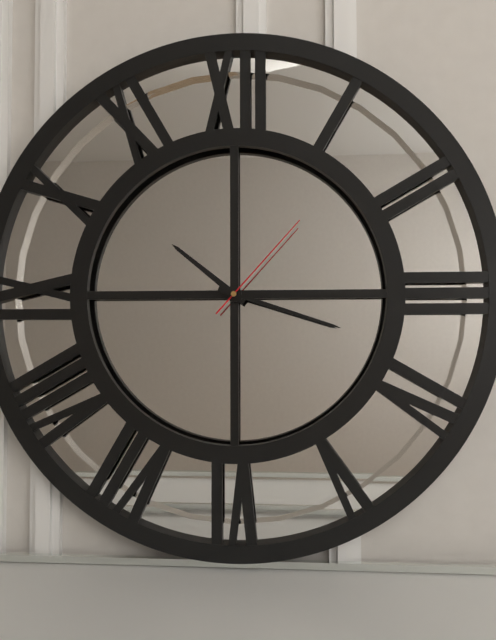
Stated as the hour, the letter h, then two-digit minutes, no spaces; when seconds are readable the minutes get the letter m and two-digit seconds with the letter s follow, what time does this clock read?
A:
10h18m07s
